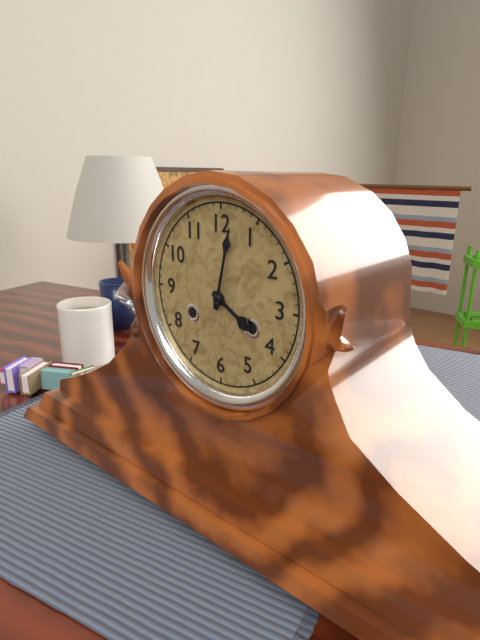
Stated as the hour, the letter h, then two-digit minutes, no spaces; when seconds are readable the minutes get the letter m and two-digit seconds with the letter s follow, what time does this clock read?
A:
4h02
